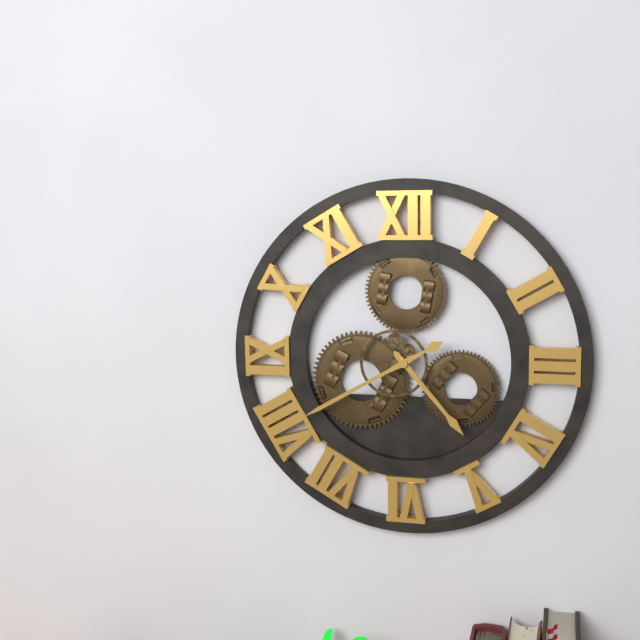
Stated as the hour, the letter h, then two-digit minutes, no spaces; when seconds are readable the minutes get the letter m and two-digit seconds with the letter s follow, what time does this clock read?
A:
4h40
